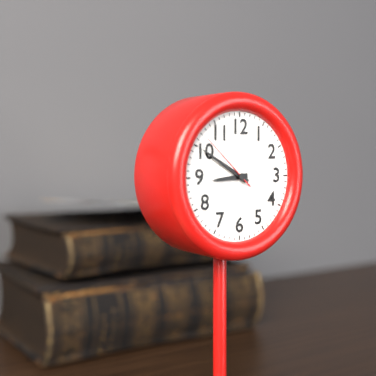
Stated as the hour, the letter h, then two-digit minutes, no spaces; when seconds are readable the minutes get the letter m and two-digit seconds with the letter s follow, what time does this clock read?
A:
8h50m52s
